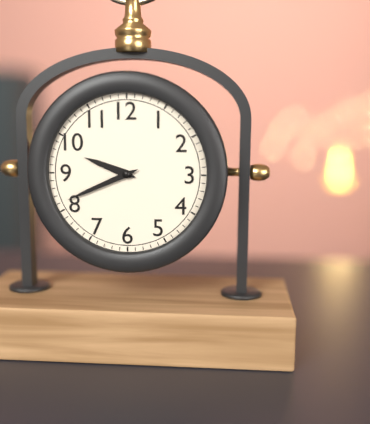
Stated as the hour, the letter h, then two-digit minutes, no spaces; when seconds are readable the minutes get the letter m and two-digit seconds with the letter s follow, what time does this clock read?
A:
9h41
